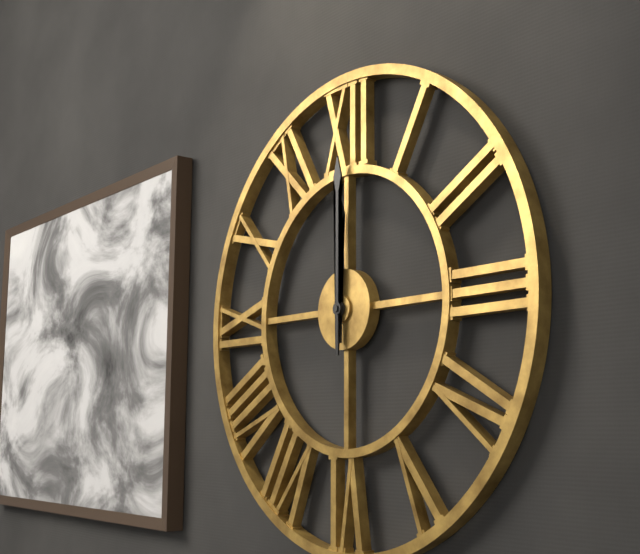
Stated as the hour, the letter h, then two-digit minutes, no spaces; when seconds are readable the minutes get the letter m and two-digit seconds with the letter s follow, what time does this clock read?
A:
12h00
